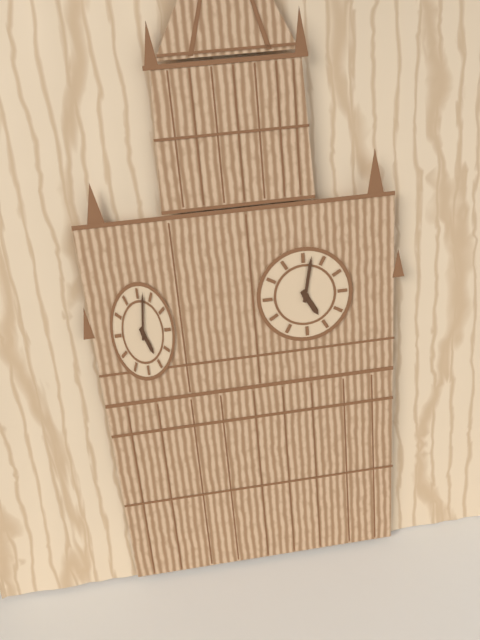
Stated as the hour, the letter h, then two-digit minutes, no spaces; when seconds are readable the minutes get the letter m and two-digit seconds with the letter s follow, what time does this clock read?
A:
5h02
